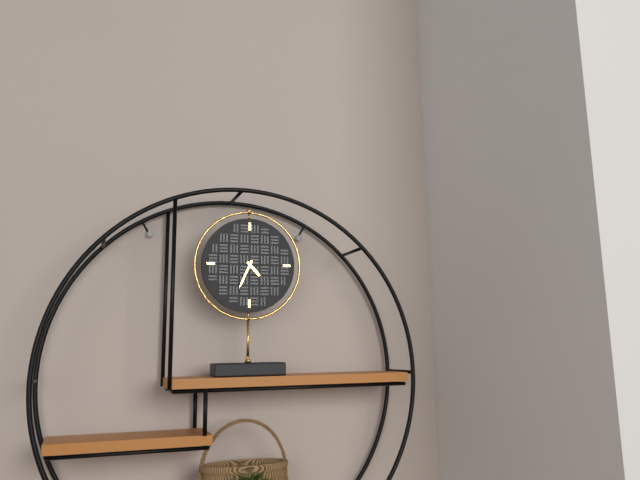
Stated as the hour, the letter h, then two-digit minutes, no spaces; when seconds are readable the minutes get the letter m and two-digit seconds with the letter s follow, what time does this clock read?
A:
4h34
